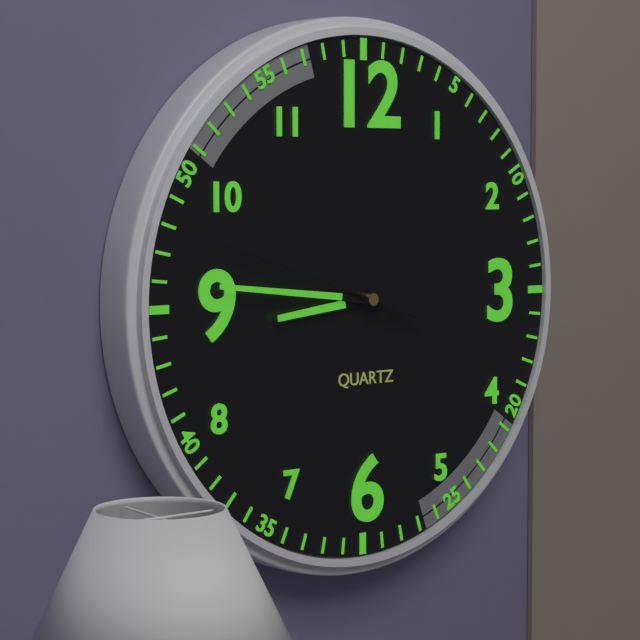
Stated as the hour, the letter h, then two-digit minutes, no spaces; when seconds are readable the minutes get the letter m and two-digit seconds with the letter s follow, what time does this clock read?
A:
8h46m48s
